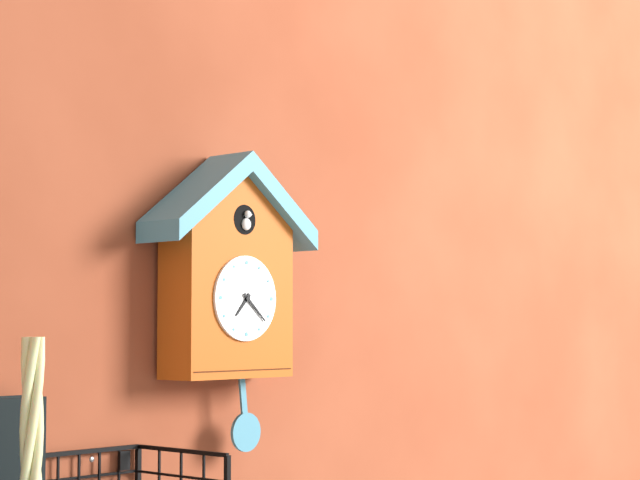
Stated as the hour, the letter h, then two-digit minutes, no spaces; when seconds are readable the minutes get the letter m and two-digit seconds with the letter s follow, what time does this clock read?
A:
7h22
